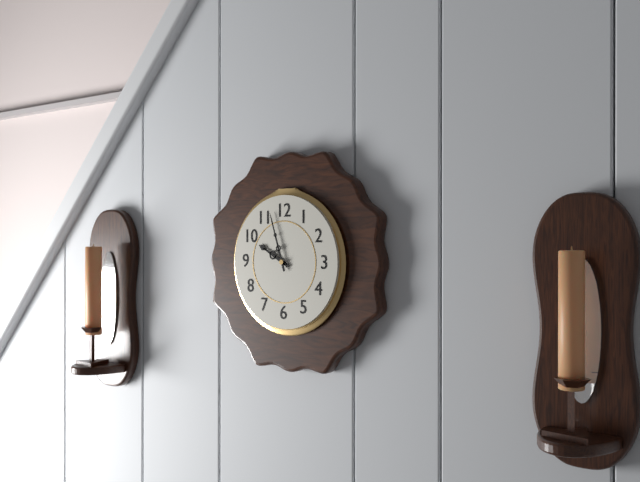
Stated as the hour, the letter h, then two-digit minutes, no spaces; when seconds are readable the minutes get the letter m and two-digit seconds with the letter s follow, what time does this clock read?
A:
9h57
